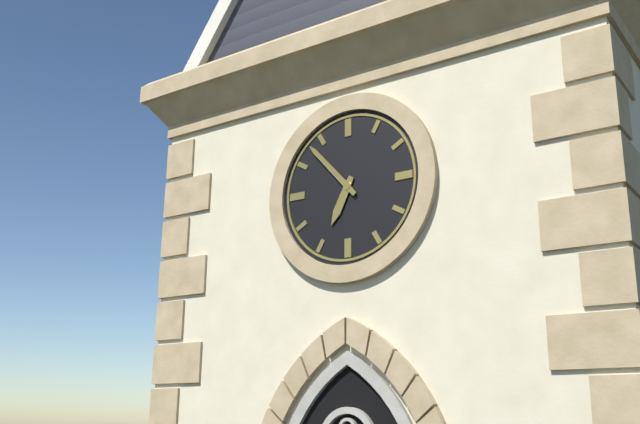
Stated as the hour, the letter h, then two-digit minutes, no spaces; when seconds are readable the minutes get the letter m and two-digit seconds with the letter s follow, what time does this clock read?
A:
6h53
